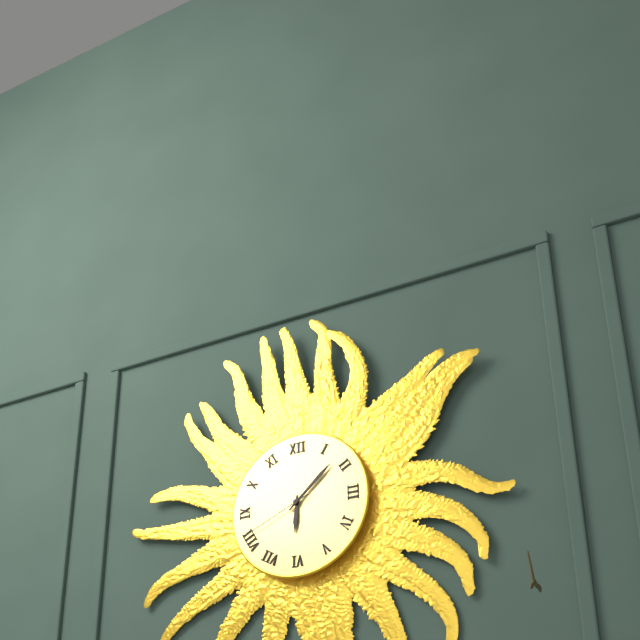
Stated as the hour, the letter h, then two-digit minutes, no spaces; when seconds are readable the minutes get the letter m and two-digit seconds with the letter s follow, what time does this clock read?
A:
6h08m41s
